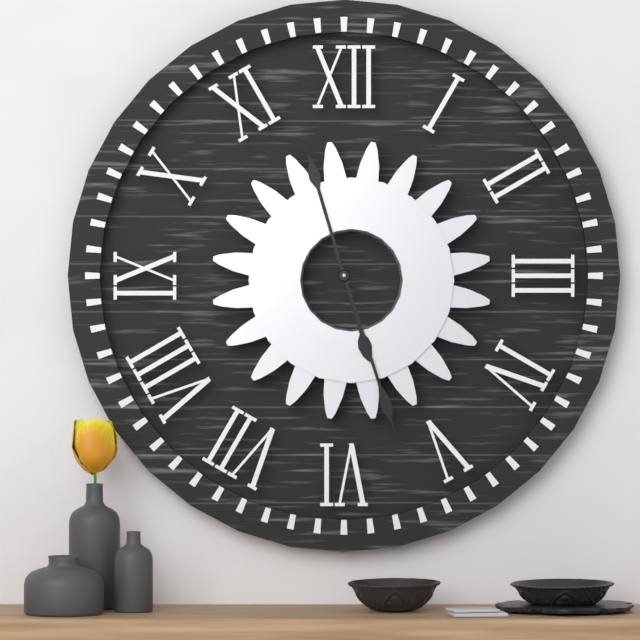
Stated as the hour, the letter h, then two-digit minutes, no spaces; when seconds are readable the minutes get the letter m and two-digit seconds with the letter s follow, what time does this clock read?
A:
11h27
